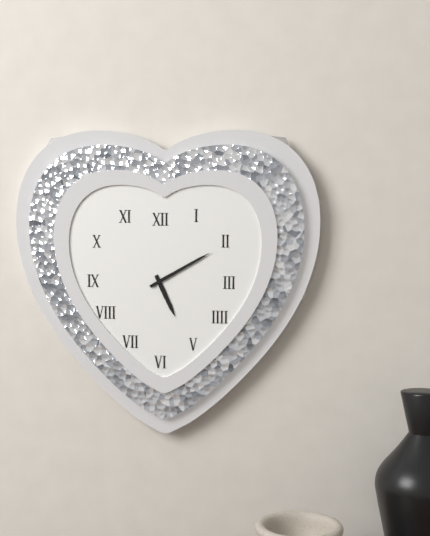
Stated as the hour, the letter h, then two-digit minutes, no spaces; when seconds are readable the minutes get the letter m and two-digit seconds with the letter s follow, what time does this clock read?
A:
5h10
